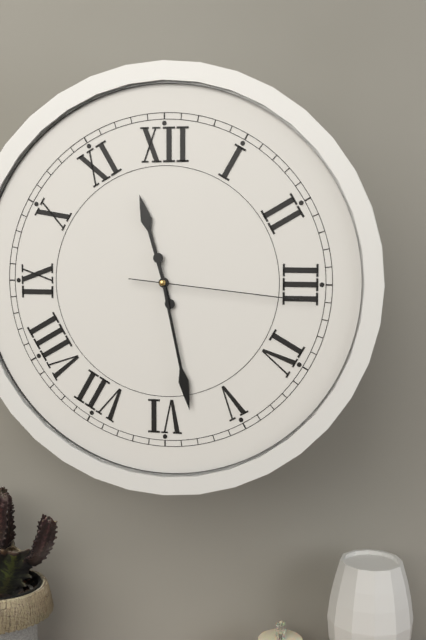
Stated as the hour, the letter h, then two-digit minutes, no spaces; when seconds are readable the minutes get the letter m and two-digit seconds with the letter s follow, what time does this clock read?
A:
11h28m16s
